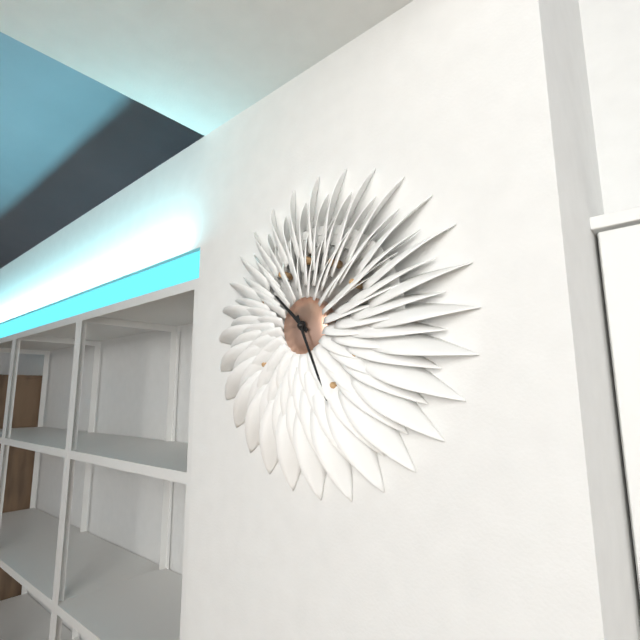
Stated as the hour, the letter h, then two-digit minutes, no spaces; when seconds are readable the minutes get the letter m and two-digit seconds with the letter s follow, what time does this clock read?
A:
10h26
